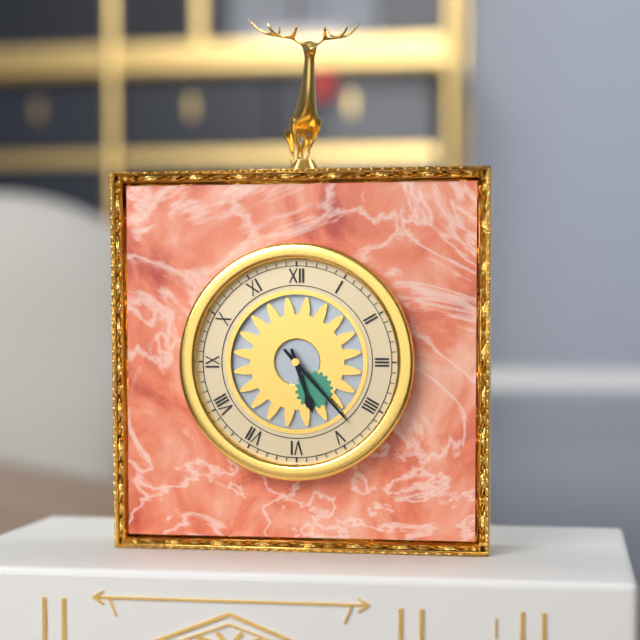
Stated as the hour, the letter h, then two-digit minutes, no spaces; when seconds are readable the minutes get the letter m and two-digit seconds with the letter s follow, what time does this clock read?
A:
5h23
